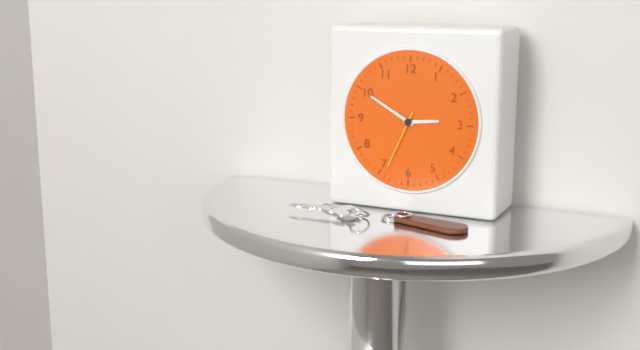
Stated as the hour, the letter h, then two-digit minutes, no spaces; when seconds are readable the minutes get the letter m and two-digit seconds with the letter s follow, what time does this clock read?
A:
2h50m34s
